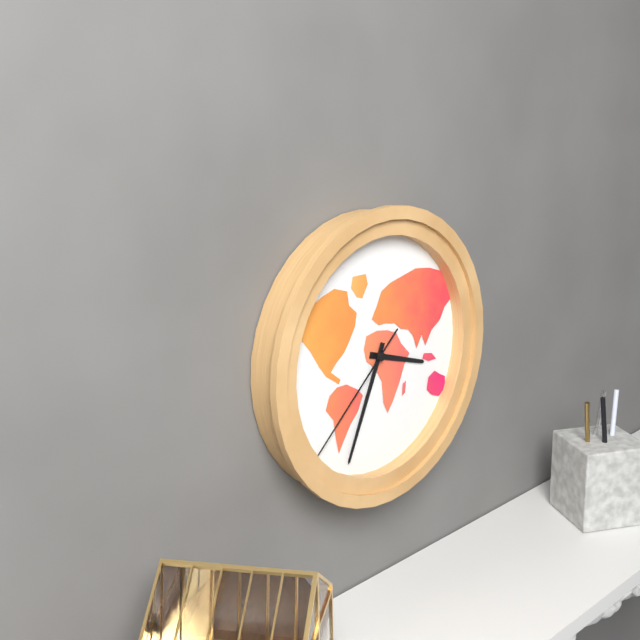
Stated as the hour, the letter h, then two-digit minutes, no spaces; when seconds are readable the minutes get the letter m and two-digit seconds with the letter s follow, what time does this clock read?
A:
3h34m38s
